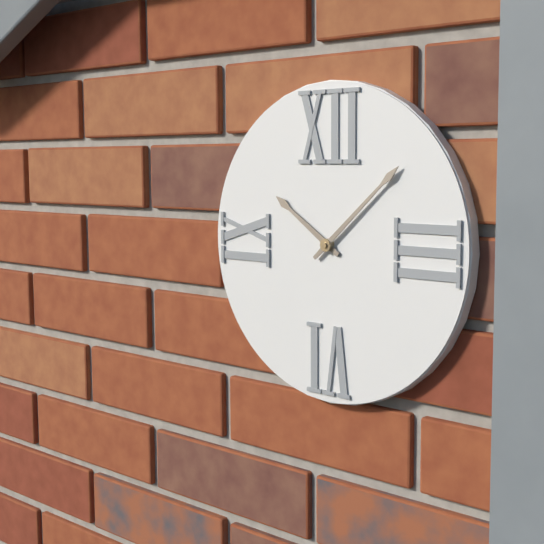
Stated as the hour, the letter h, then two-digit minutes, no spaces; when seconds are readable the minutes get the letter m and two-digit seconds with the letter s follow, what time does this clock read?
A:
10h08
